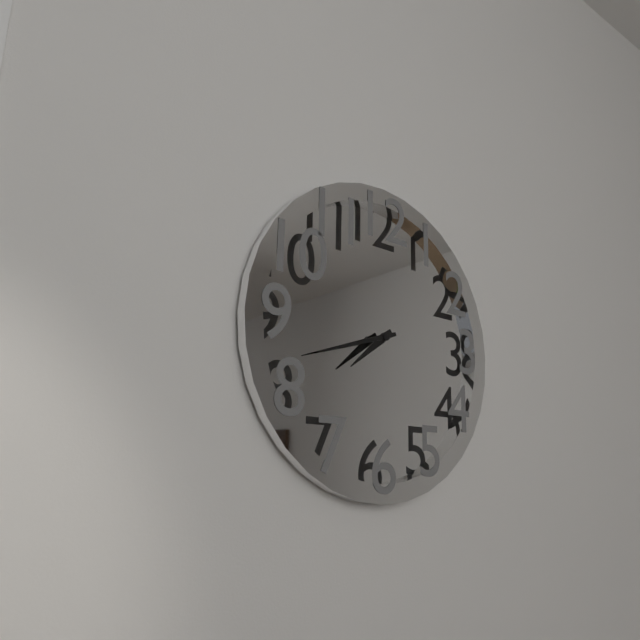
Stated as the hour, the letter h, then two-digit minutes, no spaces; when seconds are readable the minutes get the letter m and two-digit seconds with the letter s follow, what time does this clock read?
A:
7h42
